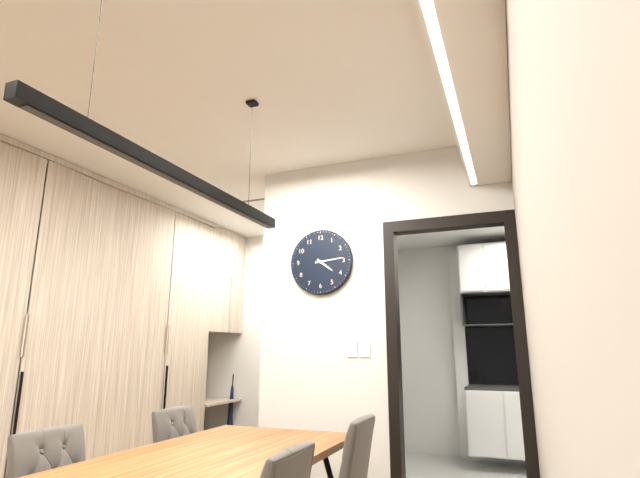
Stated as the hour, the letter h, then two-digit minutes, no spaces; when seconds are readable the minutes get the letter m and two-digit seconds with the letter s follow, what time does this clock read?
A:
4h14
